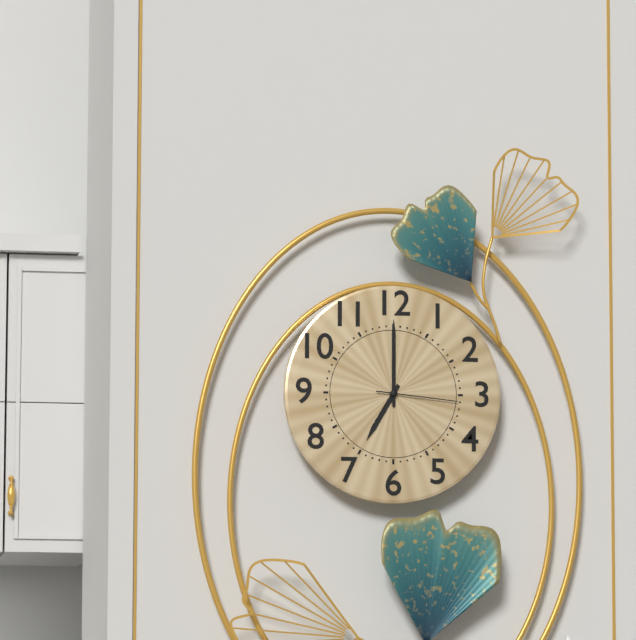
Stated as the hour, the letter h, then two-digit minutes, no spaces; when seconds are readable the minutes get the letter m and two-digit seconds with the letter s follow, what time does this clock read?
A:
7h00m16s
